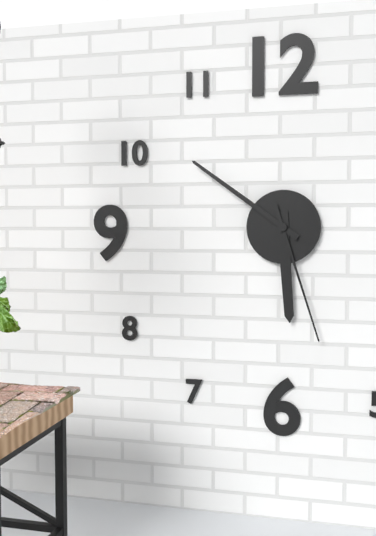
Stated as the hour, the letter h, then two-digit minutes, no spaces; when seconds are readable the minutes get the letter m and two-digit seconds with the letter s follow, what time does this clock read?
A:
5h51m27s
